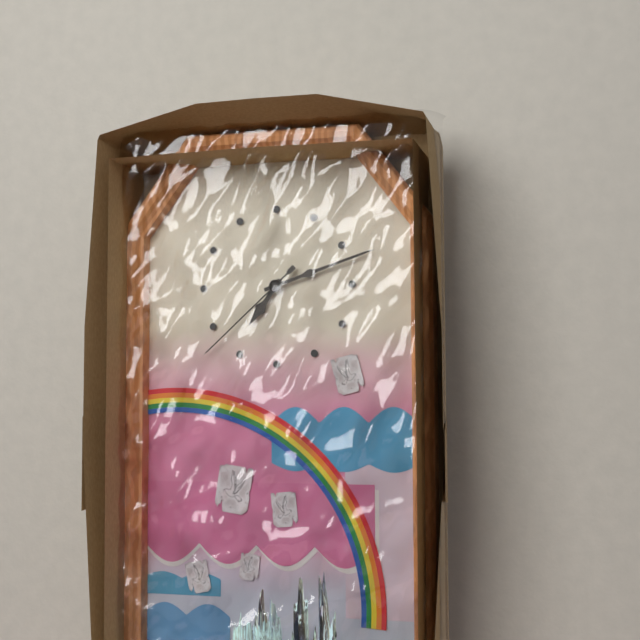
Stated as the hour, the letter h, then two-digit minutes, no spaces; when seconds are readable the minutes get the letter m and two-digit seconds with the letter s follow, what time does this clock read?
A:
7h12m38s
